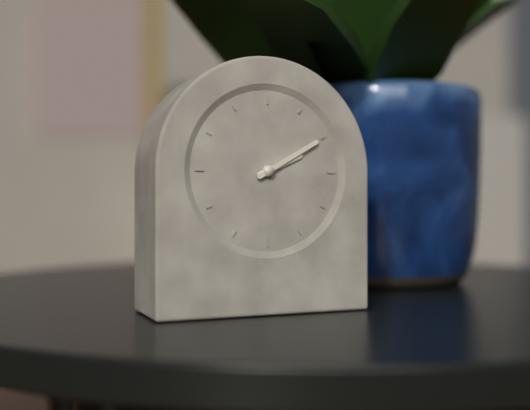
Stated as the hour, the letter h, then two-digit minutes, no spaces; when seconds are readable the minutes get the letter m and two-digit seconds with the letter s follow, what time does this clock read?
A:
2h10
